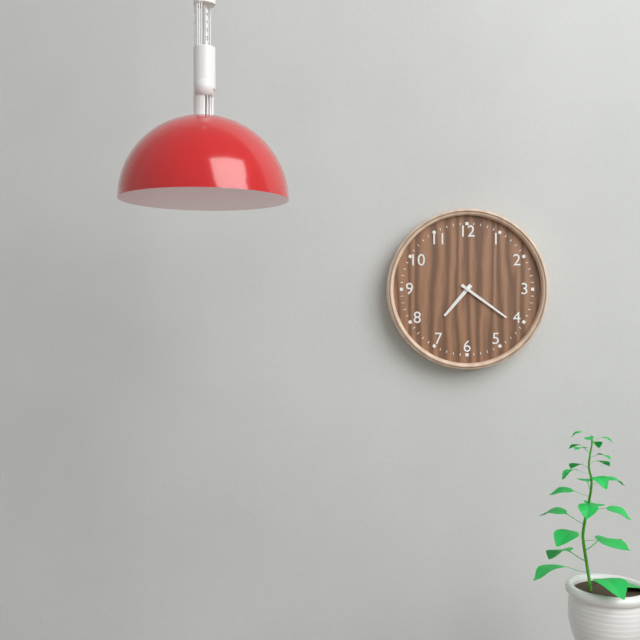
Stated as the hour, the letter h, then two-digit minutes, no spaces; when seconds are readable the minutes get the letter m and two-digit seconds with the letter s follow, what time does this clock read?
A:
7h21
